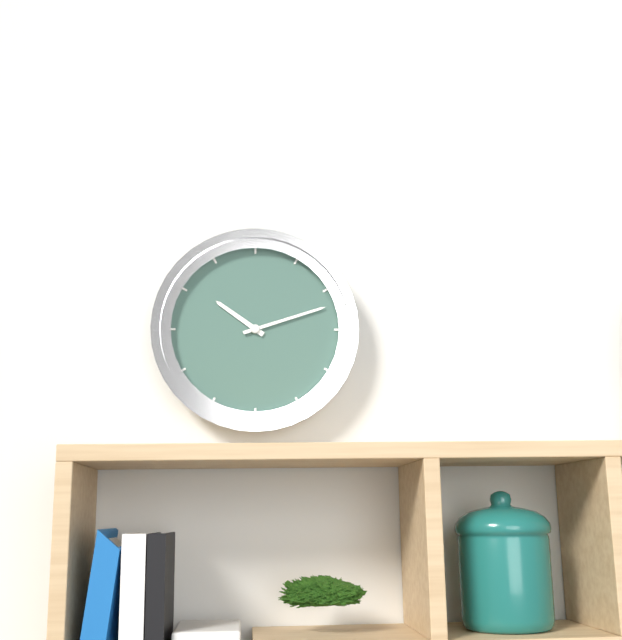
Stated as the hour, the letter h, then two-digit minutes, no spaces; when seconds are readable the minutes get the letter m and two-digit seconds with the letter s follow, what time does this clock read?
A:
10h12
